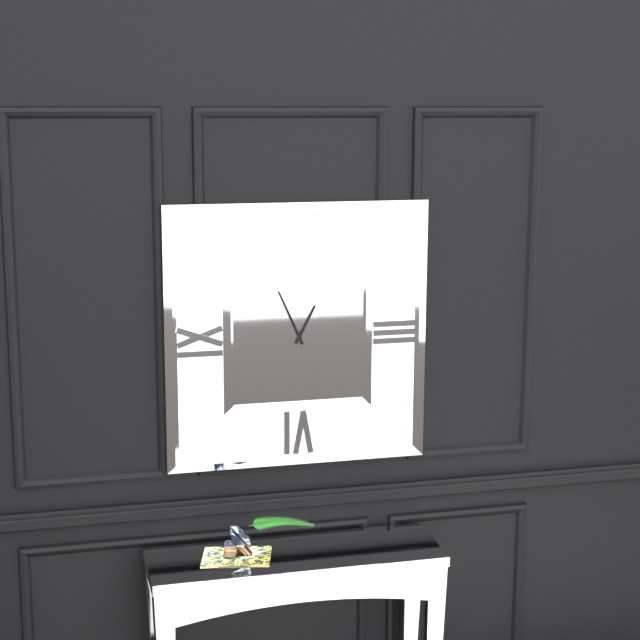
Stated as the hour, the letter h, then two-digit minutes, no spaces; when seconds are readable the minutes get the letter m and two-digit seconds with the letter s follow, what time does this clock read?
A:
12h56
